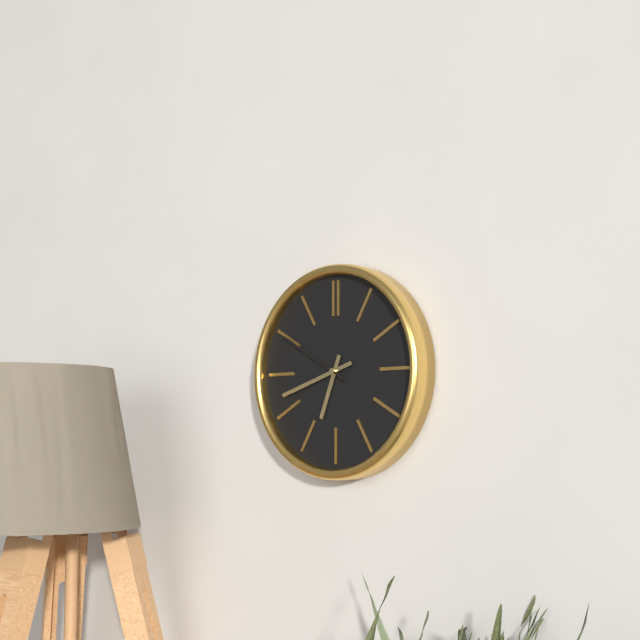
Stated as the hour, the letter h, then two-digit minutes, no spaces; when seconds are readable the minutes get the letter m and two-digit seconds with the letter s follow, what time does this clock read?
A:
6h42m50s
